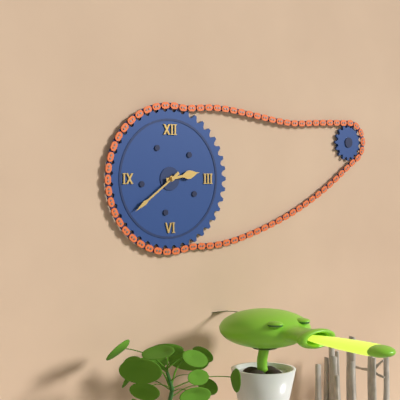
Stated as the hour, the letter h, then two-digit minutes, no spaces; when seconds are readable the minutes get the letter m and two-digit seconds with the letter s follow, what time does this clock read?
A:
2h39
